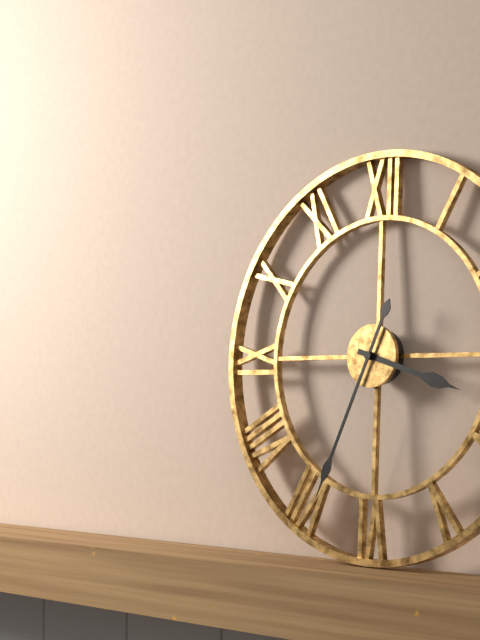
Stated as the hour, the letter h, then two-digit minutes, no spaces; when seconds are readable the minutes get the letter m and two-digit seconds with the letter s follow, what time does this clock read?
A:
3h34
